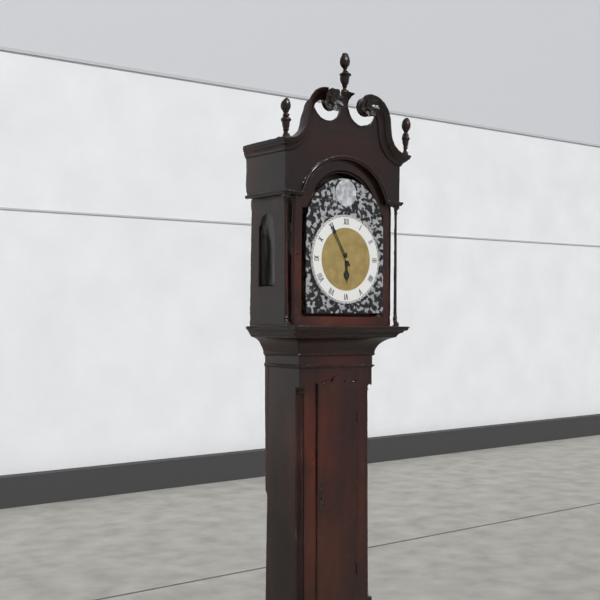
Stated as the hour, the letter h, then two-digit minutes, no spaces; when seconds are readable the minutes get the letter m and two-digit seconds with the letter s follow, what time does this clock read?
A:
5h55
